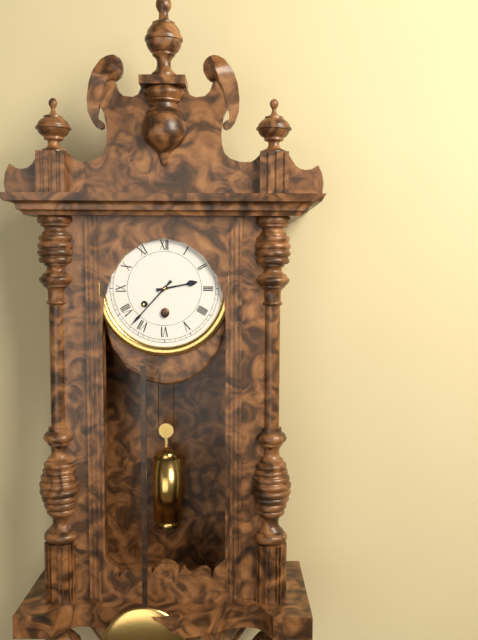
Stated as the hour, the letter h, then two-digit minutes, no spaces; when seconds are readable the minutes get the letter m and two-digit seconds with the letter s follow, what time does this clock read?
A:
2h37
